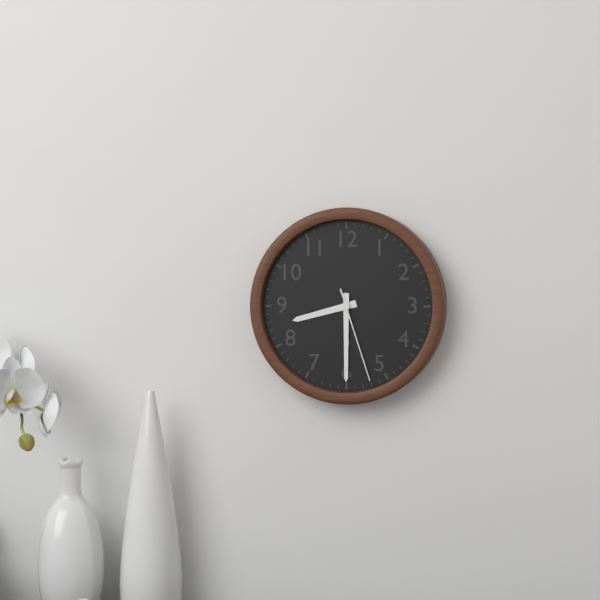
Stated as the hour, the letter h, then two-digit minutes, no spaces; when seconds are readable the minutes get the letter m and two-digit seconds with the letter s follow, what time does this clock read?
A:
8h30m27s
